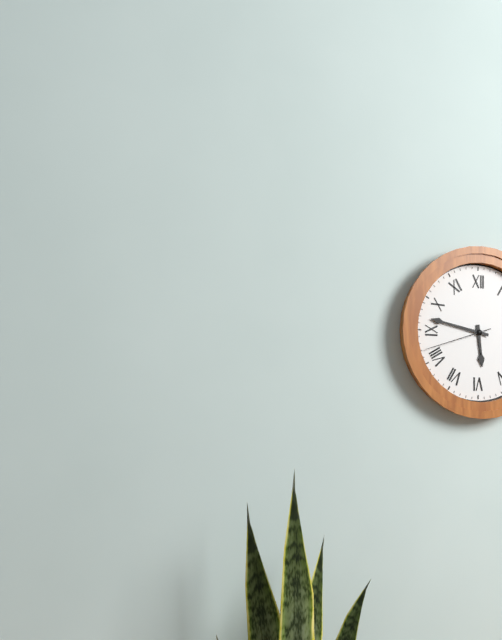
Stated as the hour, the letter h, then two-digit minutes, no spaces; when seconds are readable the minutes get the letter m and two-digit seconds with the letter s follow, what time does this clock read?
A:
5h47m42s
